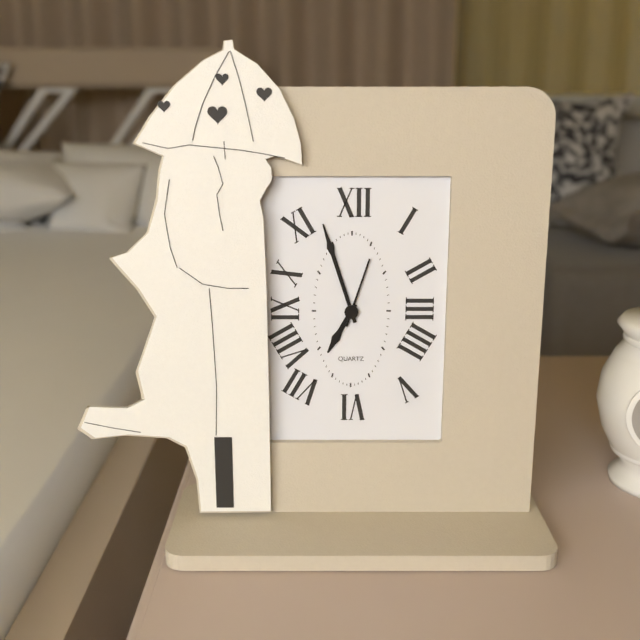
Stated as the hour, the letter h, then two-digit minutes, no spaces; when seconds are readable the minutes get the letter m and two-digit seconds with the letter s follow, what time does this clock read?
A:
6h57m03s
